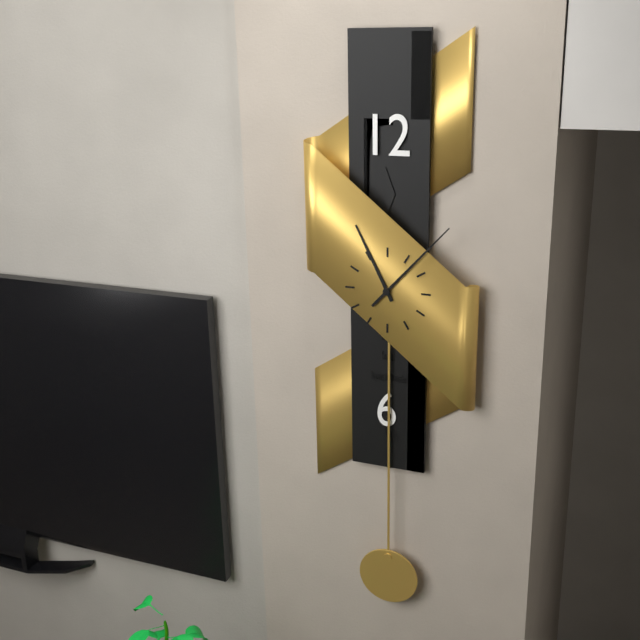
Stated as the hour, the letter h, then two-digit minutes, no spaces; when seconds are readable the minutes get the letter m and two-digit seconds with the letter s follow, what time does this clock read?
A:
11h07
